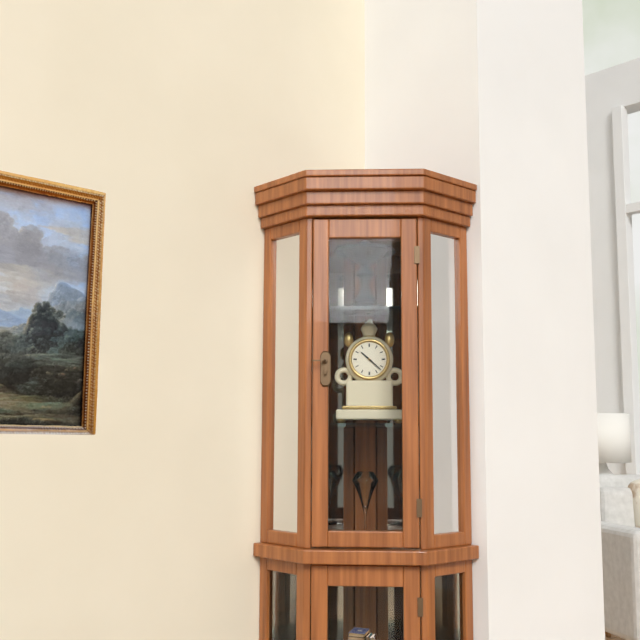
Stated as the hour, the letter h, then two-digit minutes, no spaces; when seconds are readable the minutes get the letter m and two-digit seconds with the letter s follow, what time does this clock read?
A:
10h22
